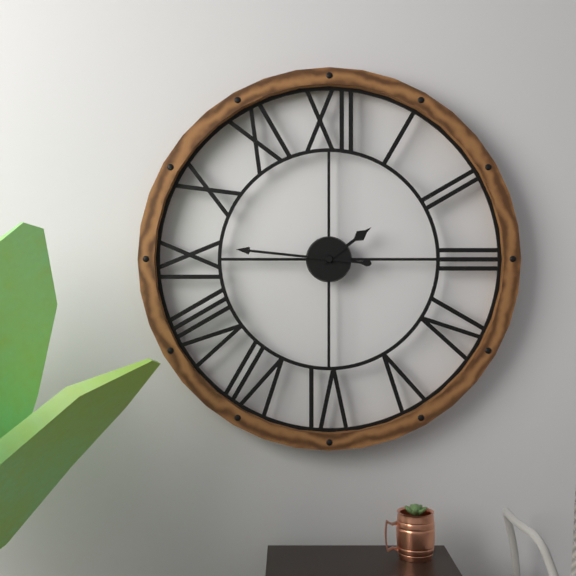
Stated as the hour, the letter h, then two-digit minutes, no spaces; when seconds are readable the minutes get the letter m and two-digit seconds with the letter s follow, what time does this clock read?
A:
1h46
